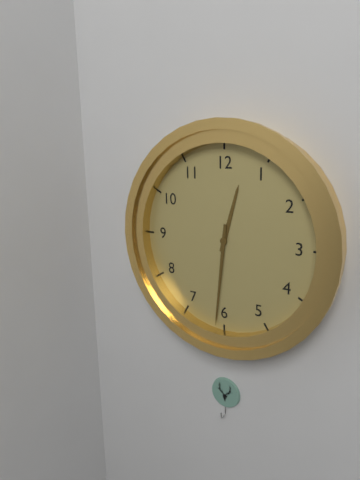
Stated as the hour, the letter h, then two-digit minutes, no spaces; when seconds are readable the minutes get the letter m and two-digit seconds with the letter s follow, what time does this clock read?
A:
12h31
